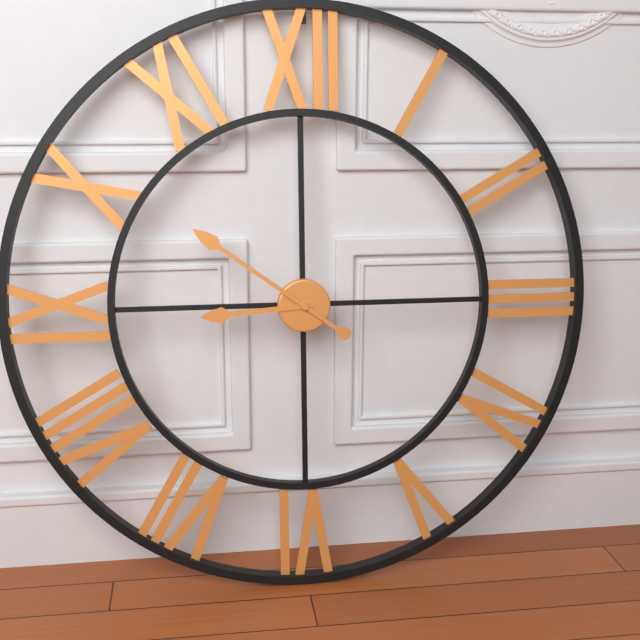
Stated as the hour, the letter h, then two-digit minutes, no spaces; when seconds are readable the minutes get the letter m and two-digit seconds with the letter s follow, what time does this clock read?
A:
8h51
